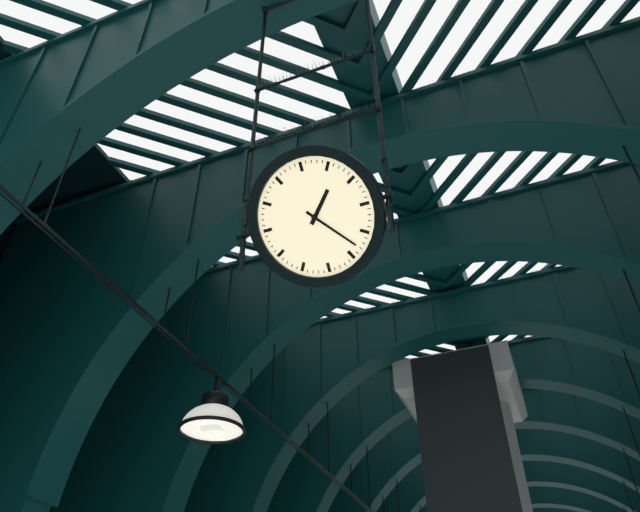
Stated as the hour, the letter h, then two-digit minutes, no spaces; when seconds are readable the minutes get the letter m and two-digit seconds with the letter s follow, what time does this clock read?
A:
1h23
